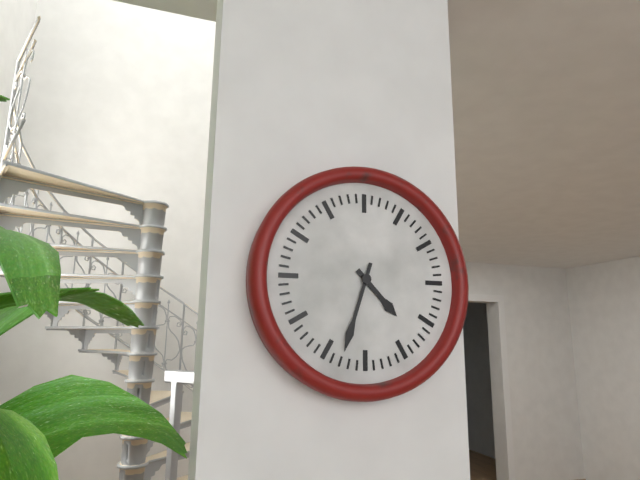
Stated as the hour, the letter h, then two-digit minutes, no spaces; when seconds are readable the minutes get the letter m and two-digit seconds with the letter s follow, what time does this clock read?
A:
4h33
